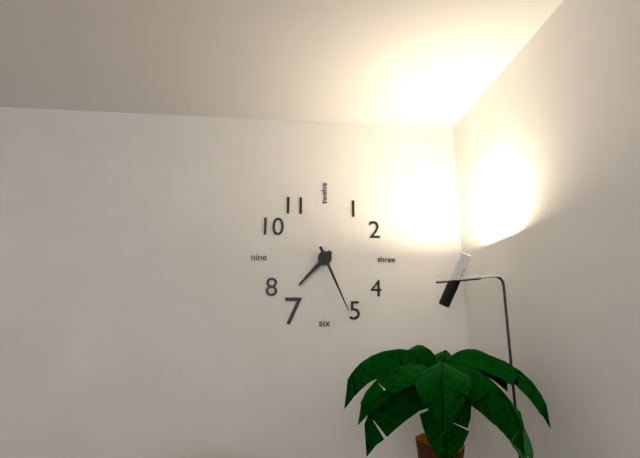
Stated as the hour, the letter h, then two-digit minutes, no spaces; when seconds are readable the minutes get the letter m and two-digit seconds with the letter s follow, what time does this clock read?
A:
7h26
